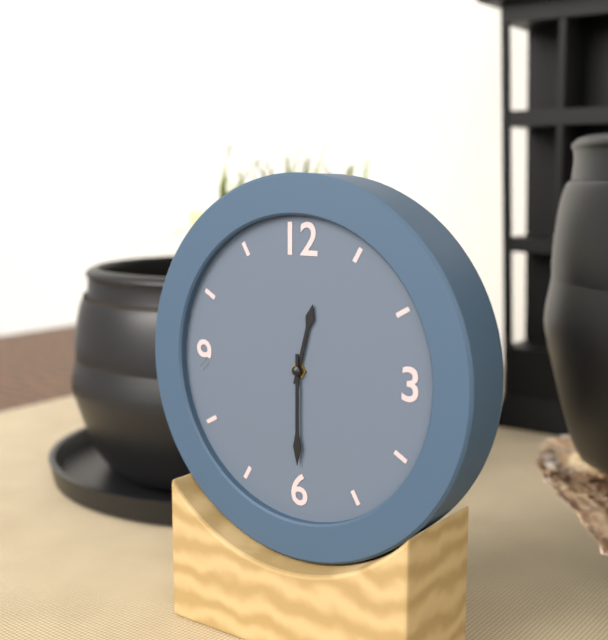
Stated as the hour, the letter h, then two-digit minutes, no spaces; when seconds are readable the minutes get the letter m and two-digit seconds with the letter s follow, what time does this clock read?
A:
12h30
